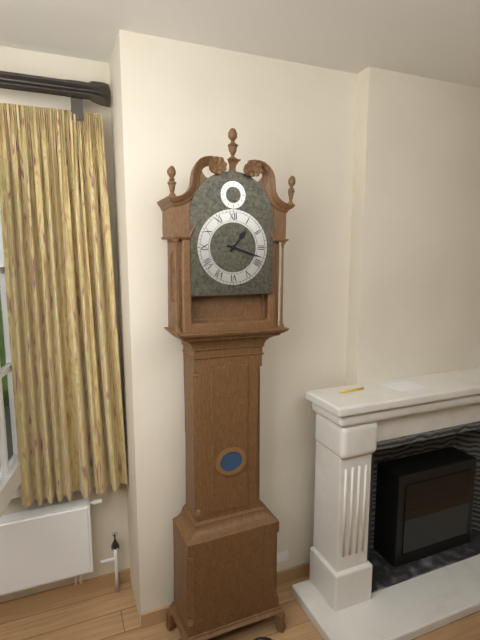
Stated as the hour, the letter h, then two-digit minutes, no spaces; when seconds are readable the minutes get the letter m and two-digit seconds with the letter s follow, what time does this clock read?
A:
1h18
